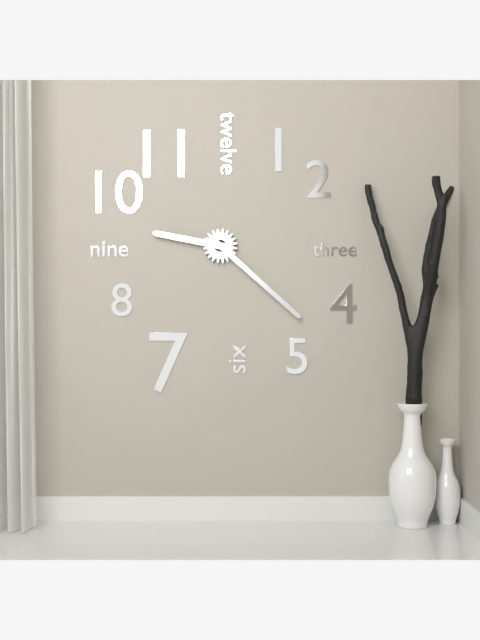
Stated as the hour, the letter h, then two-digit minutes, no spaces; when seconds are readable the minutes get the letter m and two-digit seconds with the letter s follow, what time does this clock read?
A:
9h22
